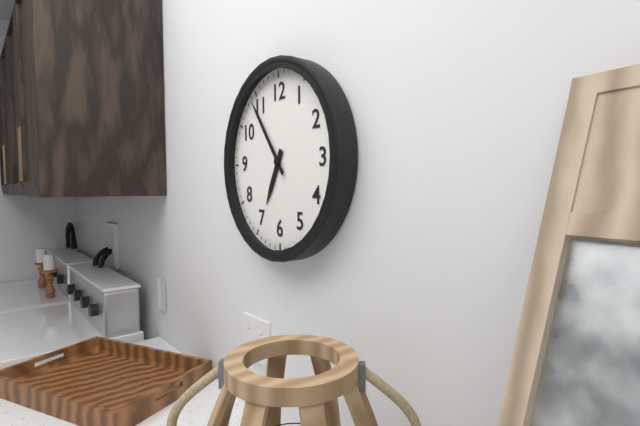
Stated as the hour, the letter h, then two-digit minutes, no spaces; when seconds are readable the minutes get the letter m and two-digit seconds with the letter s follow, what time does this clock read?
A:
6h54
